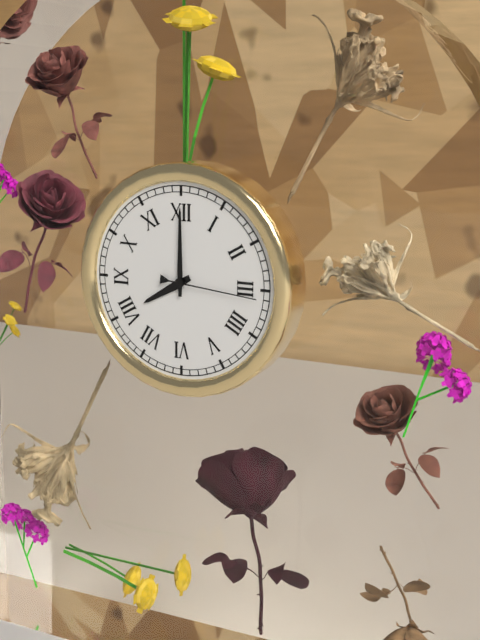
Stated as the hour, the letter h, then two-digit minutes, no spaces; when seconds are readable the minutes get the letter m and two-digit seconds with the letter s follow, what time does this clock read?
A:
8h00m16s
